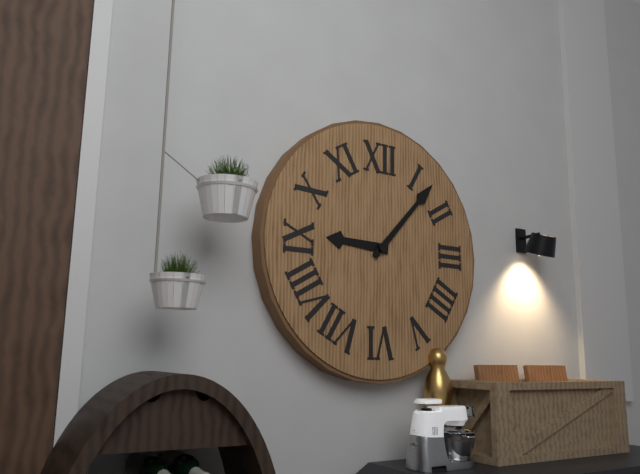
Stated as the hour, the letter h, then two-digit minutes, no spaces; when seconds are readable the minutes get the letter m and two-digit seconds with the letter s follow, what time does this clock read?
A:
9h07
